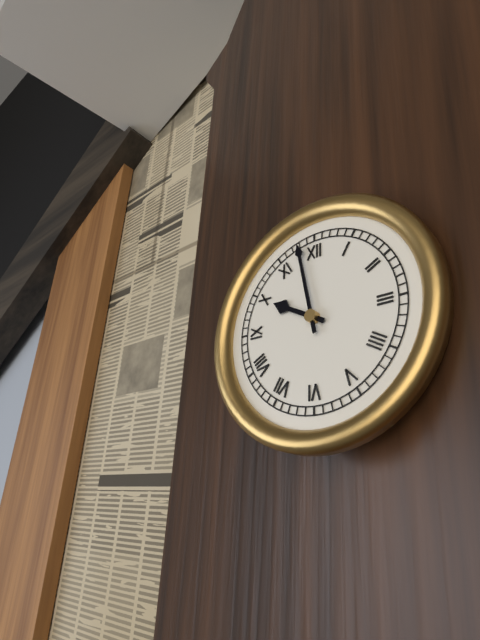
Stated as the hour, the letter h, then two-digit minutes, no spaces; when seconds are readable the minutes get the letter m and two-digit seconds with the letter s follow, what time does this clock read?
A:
9h58
